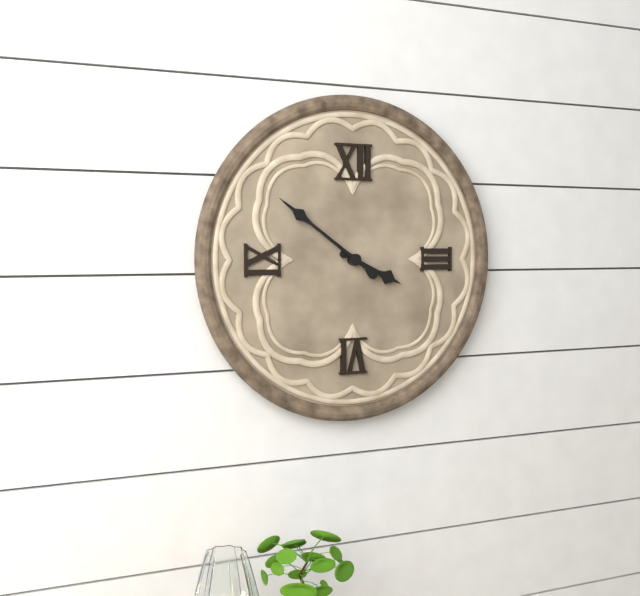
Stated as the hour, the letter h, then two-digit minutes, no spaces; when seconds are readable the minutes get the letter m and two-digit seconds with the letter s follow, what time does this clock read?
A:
3h51
